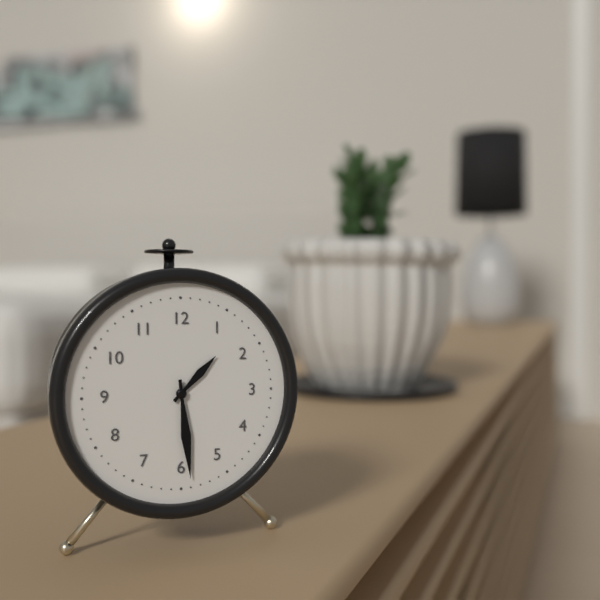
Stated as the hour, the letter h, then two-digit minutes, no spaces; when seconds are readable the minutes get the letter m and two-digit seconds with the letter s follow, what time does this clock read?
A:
1h29
